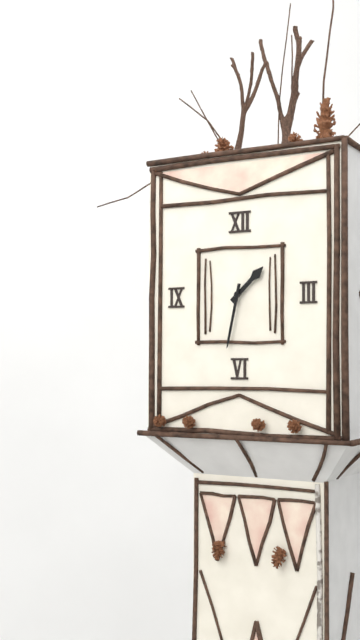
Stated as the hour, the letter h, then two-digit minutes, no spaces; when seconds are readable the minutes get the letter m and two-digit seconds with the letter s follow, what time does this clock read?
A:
1h32
